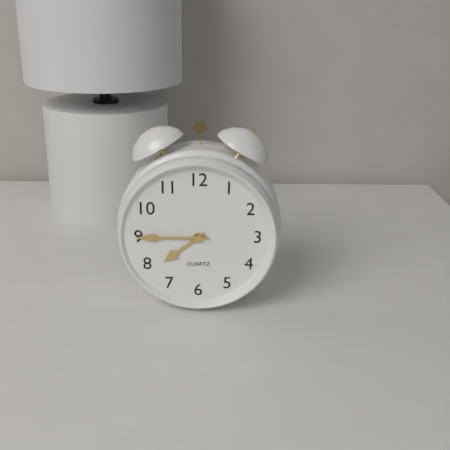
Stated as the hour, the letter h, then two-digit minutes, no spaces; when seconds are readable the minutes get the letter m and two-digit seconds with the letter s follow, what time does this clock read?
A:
7h45
